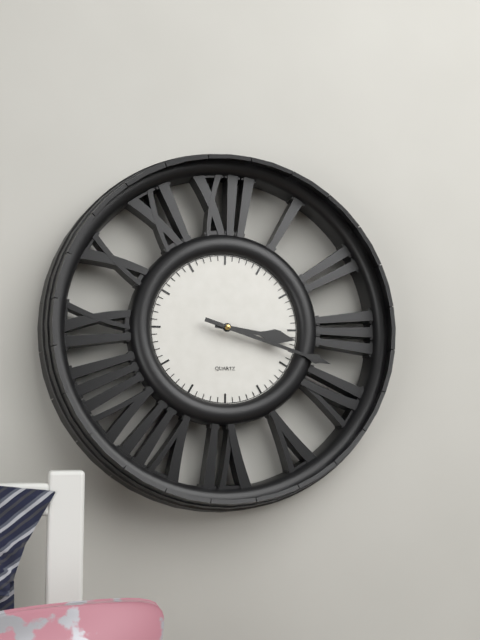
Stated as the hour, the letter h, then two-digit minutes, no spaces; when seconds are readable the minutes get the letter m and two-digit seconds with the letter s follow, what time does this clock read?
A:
3h18
